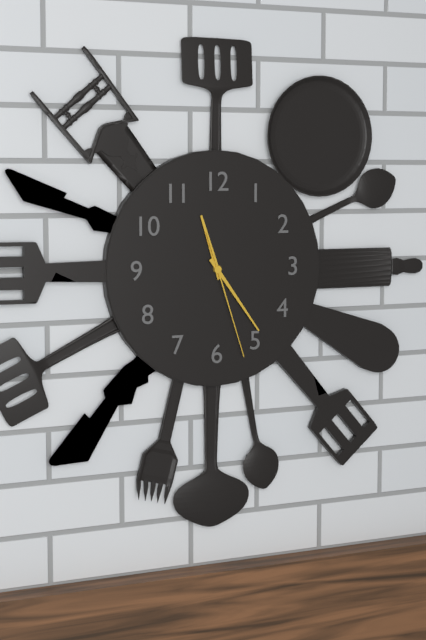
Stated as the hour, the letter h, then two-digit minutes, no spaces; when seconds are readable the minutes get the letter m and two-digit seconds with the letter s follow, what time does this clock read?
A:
11h24m27s
